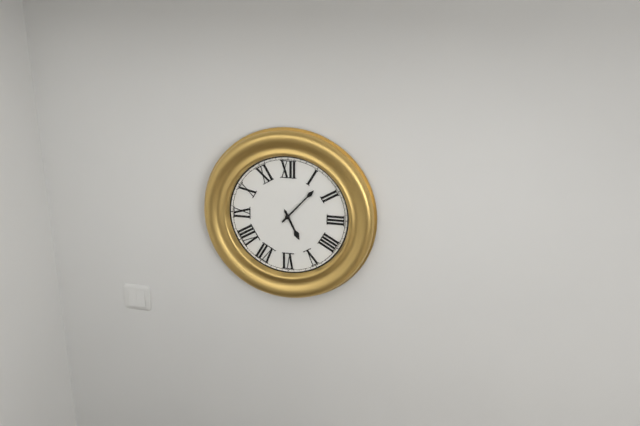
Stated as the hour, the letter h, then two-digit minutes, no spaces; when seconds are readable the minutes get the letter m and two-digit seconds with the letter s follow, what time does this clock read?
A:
5h07
